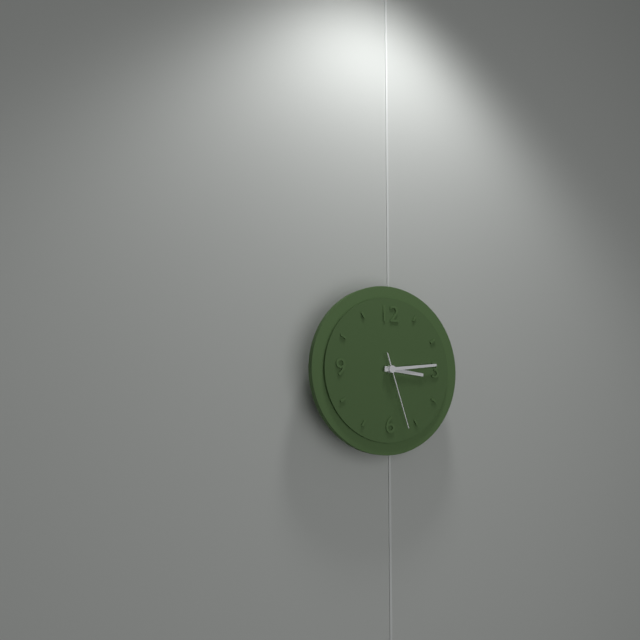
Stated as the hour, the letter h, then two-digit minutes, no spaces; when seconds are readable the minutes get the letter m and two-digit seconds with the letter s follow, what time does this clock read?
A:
3h14m27s
